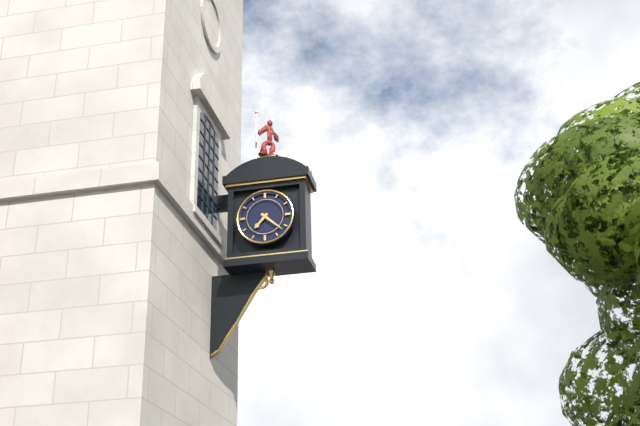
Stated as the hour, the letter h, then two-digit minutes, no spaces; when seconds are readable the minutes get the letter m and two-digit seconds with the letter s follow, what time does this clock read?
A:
7h22
